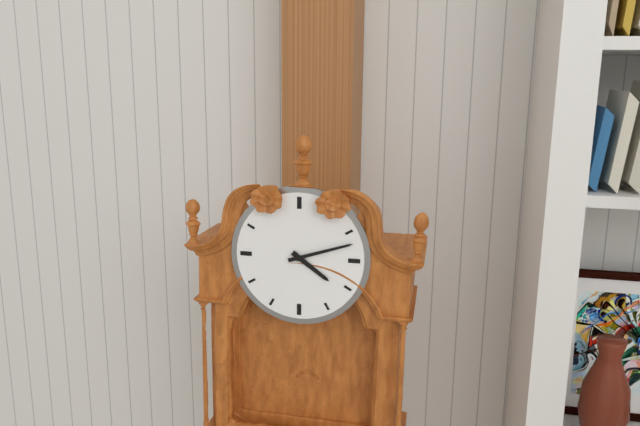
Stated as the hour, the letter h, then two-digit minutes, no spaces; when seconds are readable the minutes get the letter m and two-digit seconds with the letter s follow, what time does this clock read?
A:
4h12
